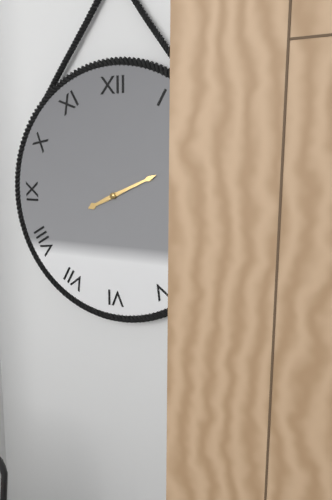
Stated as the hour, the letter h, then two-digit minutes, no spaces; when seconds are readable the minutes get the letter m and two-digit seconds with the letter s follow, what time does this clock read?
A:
8h11
